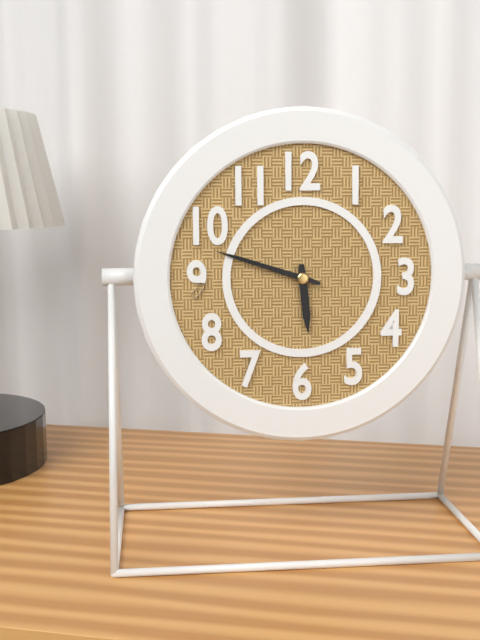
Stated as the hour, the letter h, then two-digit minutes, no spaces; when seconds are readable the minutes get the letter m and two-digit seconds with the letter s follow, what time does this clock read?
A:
5h48
